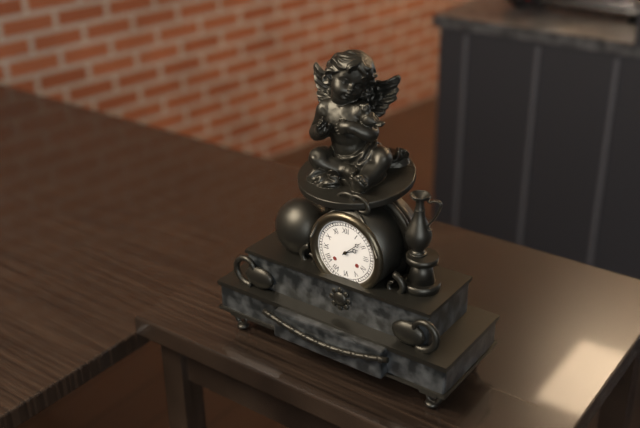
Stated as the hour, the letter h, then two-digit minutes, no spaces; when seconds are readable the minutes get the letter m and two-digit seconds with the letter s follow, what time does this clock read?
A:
2h08
